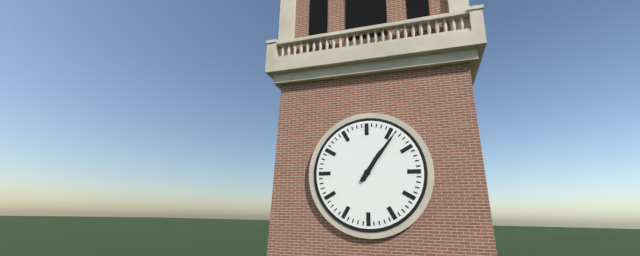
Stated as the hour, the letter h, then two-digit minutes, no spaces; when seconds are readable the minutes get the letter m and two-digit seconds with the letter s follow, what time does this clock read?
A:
1h06
